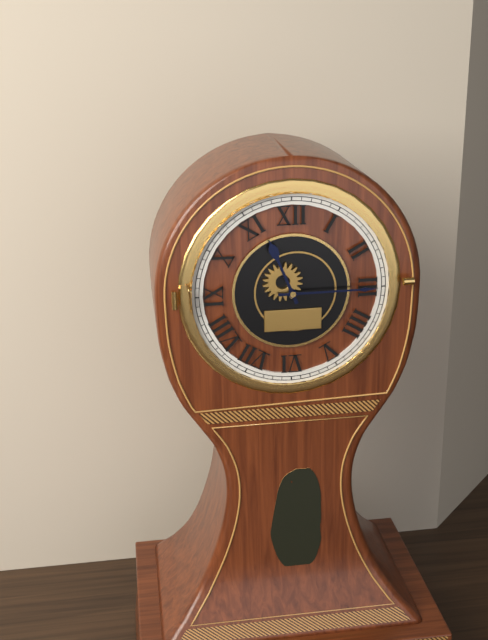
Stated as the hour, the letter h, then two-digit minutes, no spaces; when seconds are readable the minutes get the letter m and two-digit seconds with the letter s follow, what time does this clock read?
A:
11h15
